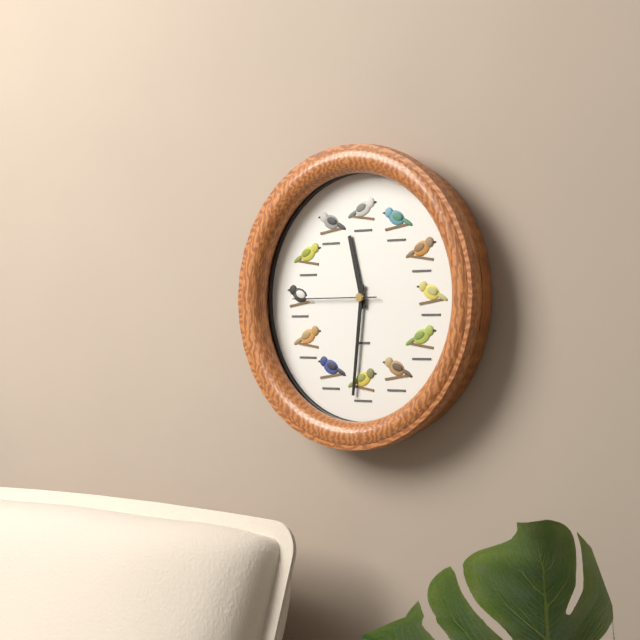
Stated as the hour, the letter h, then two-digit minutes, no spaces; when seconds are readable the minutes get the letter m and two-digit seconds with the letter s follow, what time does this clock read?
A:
11h31m45s
